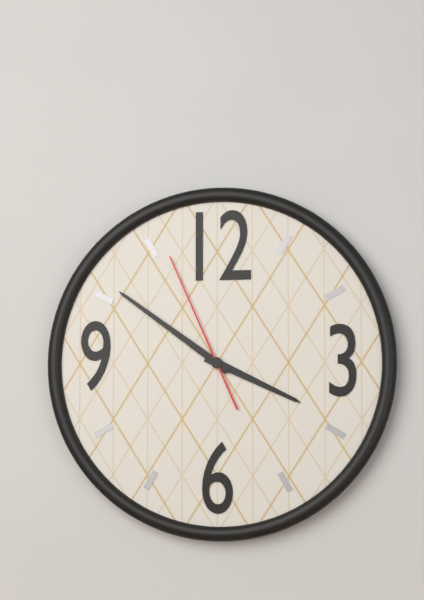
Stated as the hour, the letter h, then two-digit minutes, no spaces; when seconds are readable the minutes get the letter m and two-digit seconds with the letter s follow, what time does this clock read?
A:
3h51m56s
